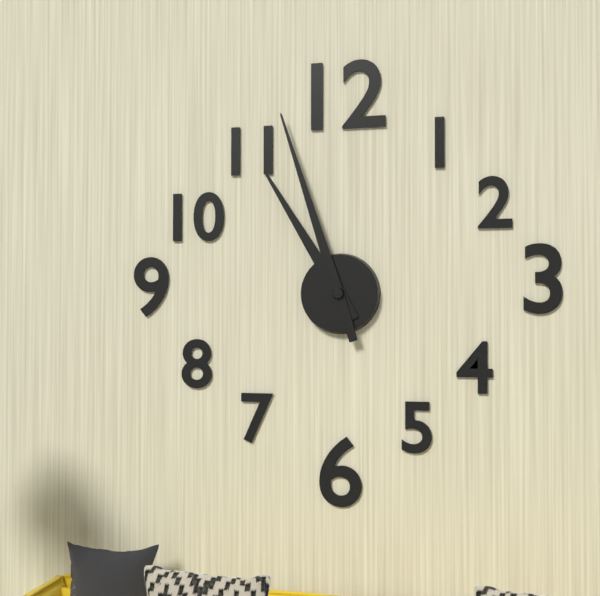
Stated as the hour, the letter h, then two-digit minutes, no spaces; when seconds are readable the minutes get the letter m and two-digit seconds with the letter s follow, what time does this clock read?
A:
10h57
